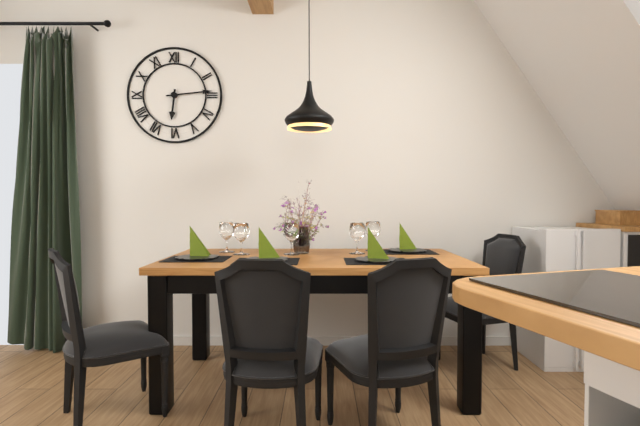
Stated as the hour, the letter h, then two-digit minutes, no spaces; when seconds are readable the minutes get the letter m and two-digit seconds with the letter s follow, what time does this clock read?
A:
6h14
